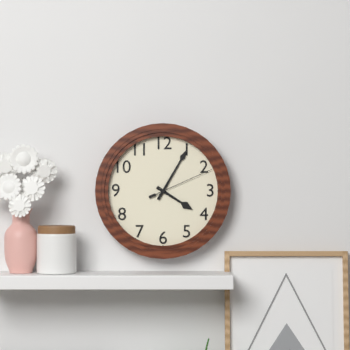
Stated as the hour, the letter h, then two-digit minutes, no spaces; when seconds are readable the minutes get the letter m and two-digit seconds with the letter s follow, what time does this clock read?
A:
4h05m11s
